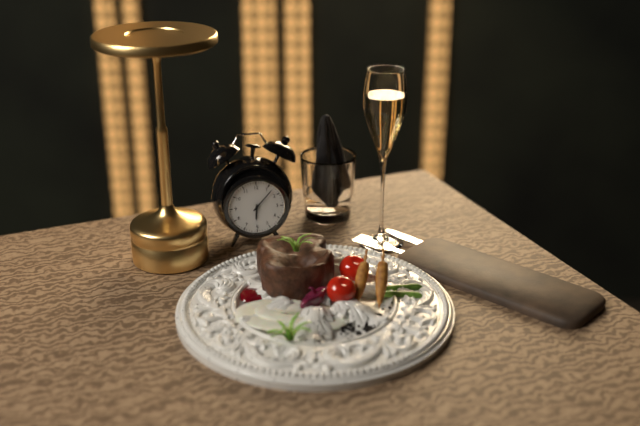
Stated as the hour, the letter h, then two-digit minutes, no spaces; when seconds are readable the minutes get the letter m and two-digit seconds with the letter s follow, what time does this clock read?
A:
6h07
